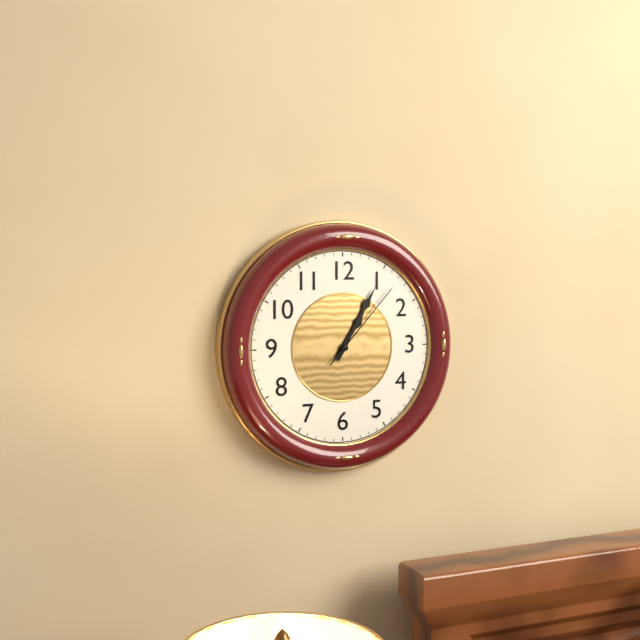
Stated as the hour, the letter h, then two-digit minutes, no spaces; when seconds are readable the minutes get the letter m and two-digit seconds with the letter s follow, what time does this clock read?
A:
1h05m07s
